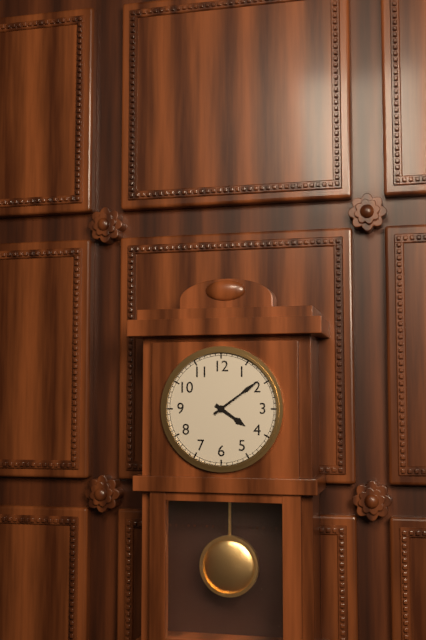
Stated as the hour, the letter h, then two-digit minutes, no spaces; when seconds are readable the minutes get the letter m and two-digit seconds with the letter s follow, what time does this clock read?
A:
4h09
